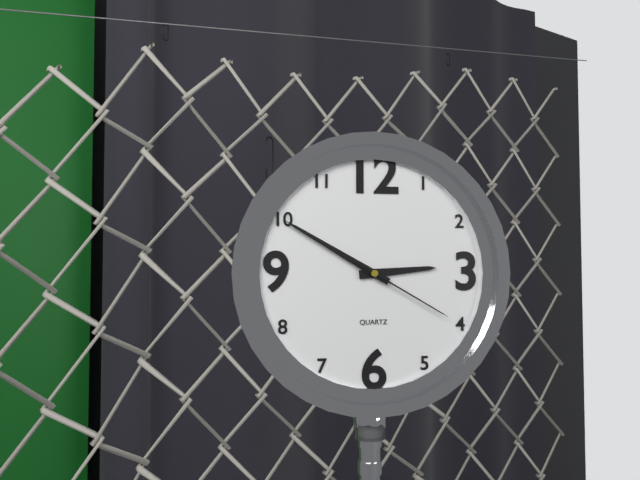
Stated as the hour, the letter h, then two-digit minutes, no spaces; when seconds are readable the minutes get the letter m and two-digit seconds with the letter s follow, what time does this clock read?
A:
2h50m20s
